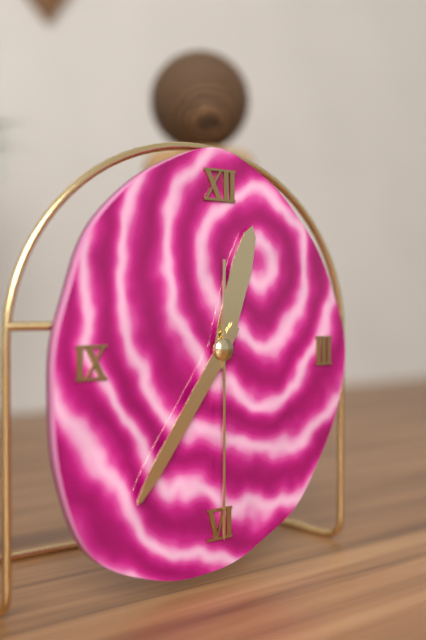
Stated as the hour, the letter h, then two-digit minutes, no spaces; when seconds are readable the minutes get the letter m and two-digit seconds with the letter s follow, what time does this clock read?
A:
12h36m30s
